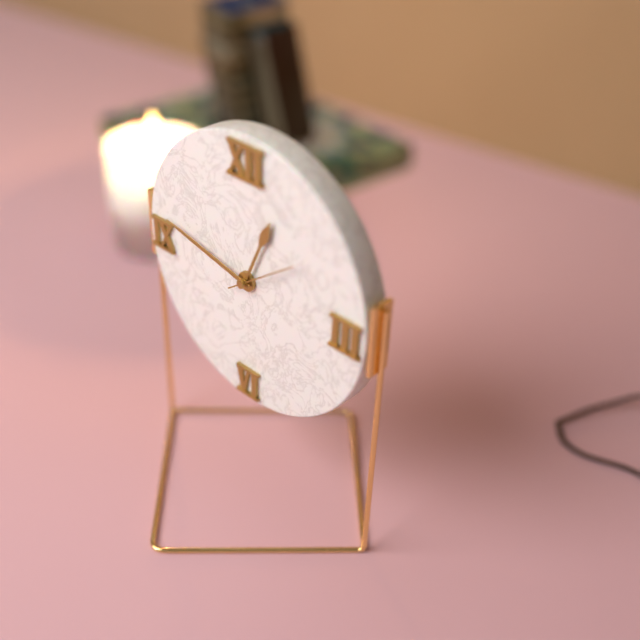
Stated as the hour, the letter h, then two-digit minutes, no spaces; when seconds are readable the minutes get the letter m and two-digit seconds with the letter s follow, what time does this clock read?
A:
12h47
